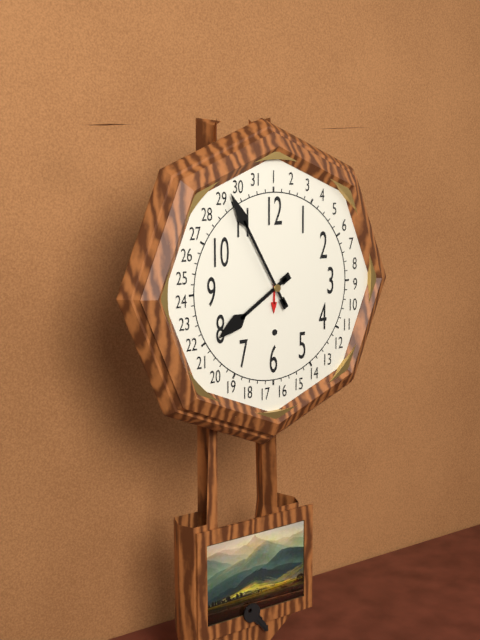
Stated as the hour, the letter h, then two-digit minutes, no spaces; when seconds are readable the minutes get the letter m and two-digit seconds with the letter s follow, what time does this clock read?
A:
7h55
